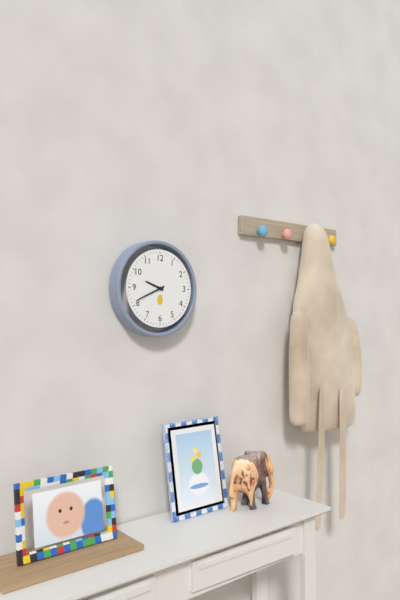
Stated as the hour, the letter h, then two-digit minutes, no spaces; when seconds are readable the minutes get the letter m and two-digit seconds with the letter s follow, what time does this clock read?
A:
9h41
